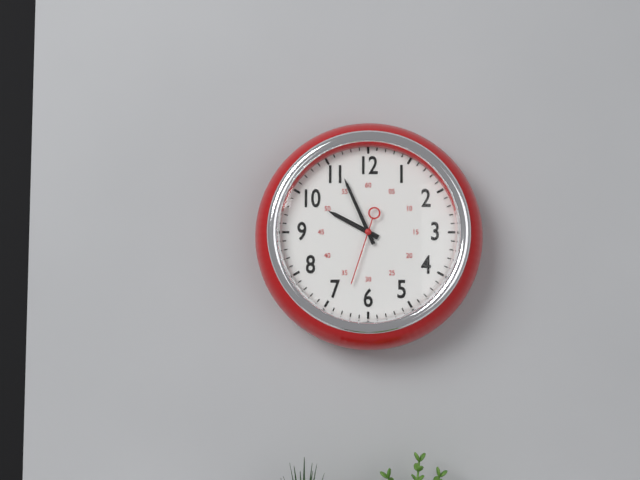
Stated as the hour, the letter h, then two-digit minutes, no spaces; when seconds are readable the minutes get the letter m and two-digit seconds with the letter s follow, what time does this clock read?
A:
9h56m33s
